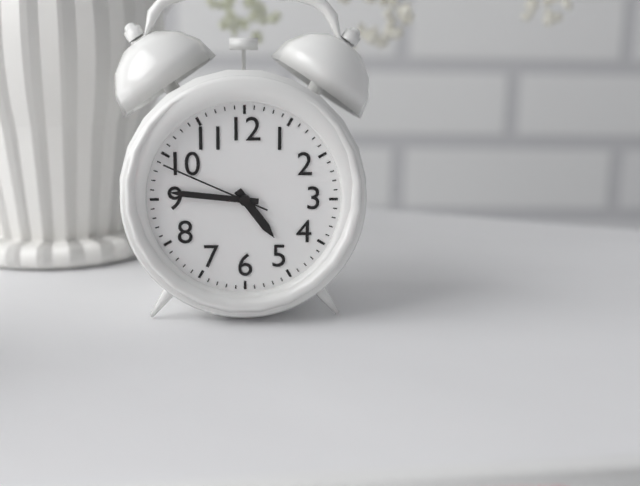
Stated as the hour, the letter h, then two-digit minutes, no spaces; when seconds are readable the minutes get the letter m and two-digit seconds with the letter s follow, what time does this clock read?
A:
4h46m49s
